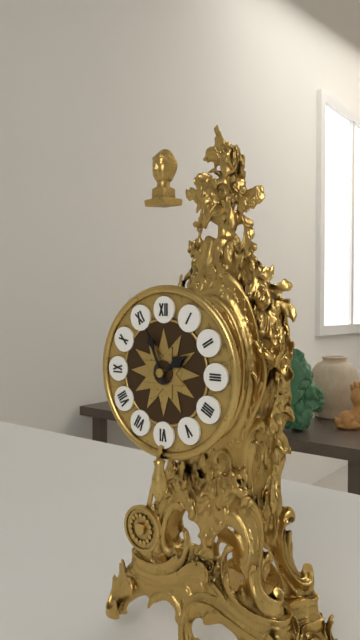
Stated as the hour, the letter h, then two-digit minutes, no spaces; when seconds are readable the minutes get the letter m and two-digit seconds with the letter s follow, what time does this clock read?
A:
1h56
